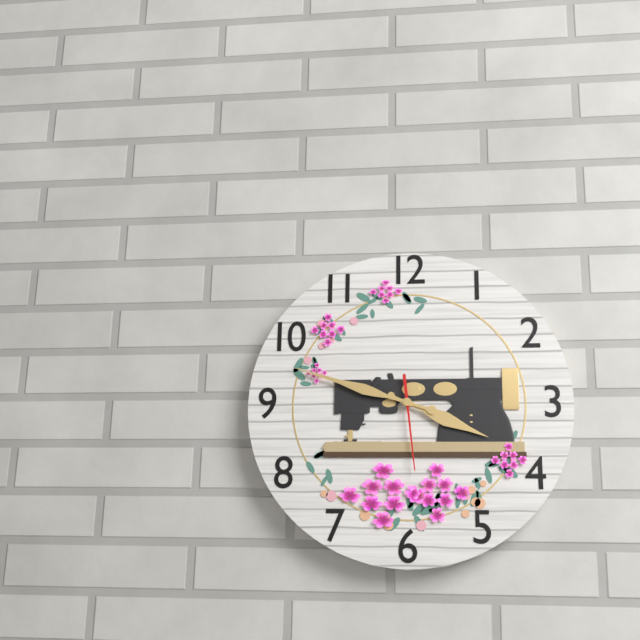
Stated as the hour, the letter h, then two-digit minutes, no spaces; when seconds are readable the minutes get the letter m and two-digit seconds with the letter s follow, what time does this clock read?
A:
3h48m29s
